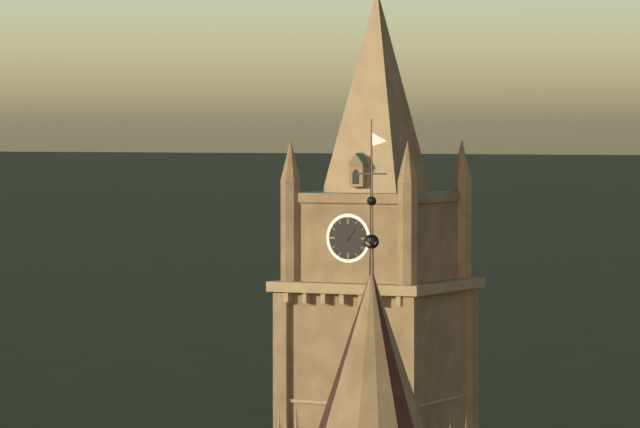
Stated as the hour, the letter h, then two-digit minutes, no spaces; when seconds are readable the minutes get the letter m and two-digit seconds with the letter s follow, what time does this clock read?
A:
1h18
